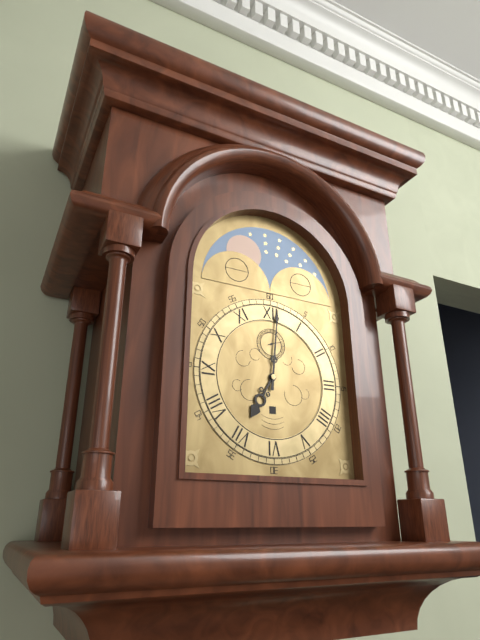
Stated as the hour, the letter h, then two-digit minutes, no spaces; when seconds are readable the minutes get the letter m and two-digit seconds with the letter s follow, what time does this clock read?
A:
7h01
